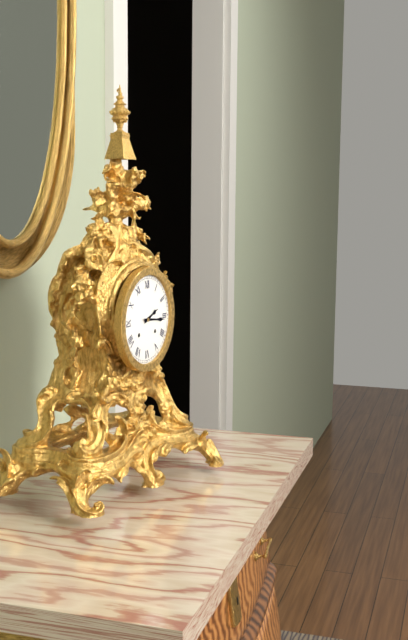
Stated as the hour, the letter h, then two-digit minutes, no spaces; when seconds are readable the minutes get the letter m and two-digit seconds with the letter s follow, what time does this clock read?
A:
2h16
